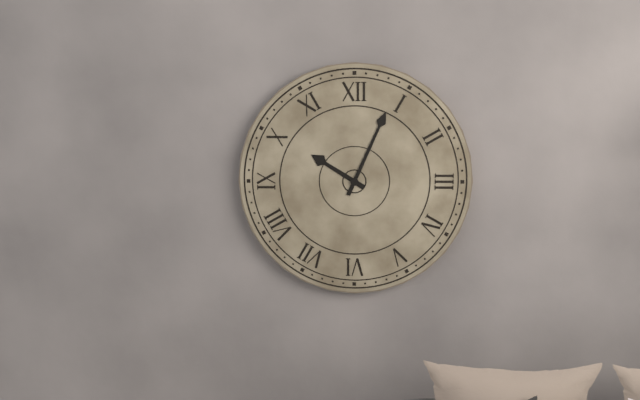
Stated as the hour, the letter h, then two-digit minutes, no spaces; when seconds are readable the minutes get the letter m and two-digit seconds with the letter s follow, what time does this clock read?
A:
10h04
